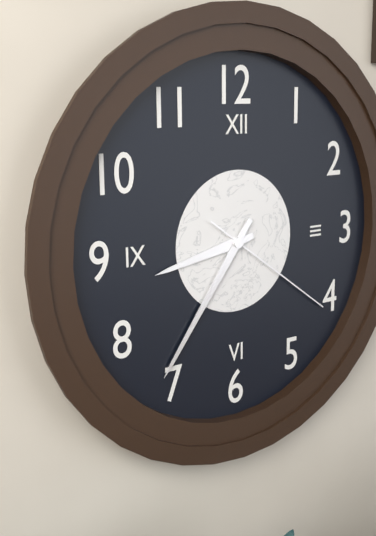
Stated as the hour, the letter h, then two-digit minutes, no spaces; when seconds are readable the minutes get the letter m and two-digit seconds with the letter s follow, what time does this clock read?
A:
8h36m21s
